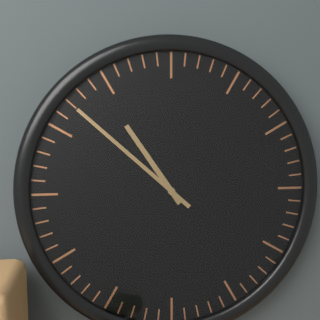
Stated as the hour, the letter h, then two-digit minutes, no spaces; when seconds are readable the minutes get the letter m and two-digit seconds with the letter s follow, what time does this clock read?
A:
10h52
